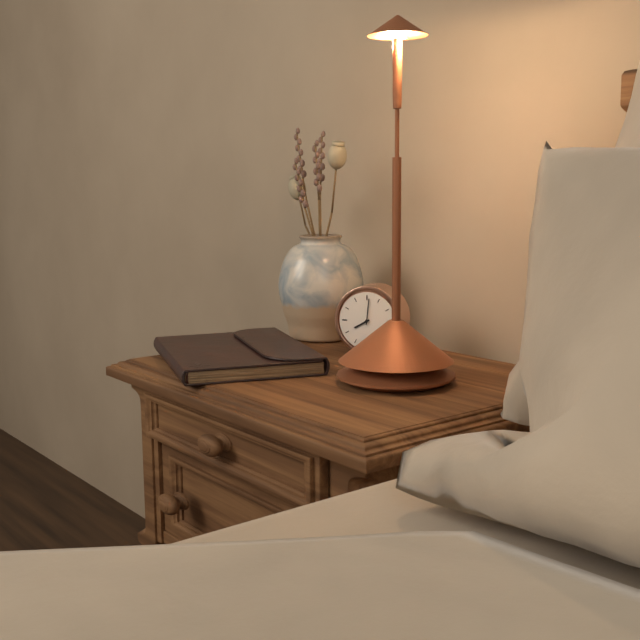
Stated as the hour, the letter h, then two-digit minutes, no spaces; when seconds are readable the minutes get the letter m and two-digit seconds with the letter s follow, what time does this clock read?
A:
8h01
